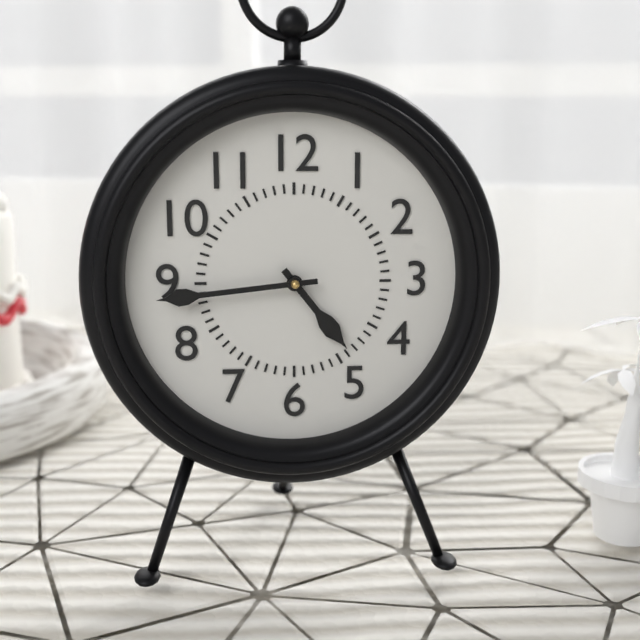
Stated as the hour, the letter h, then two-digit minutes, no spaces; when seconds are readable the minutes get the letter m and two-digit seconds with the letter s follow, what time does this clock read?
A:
4h44
